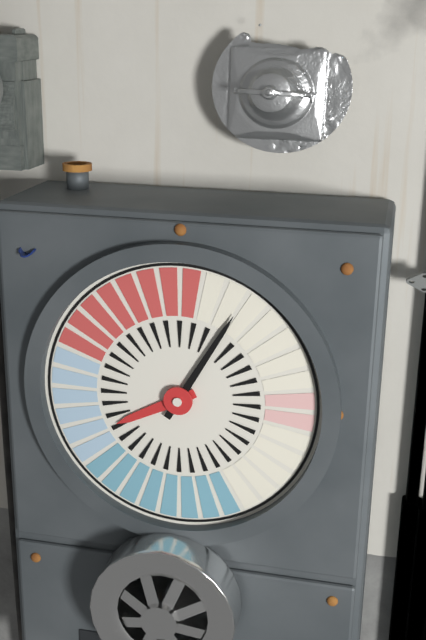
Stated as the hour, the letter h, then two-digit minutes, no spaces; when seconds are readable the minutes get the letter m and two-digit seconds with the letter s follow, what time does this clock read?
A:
8h05
